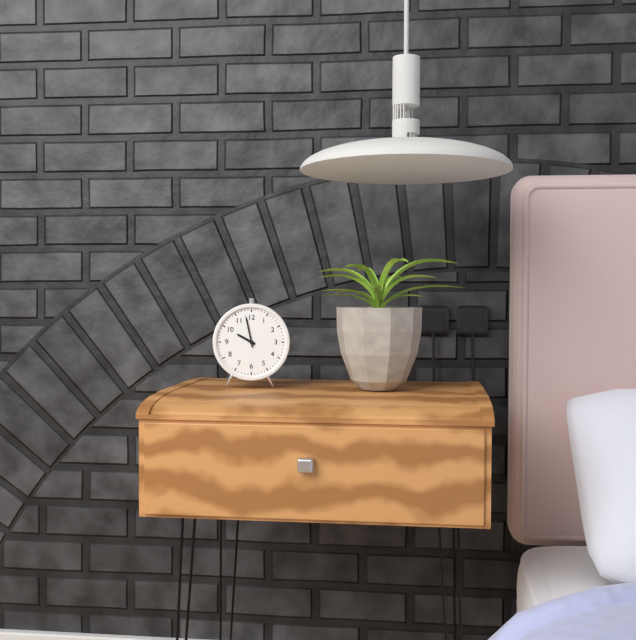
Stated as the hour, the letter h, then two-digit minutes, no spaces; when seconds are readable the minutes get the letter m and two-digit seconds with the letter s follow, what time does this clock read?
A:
9h58
